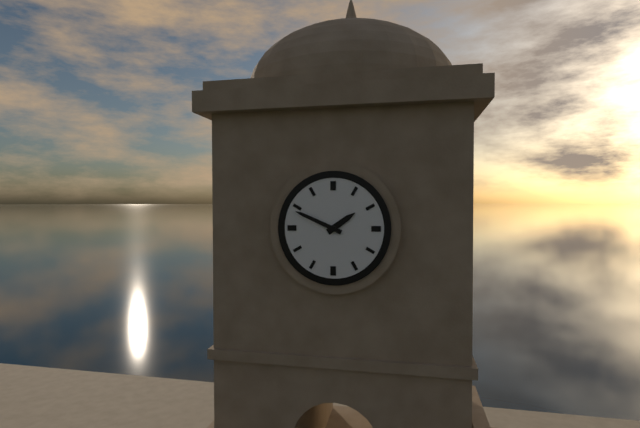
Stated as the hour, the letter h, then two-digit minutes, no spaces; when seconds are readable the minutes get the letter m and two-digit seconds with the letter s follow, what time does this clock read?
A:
1h49
